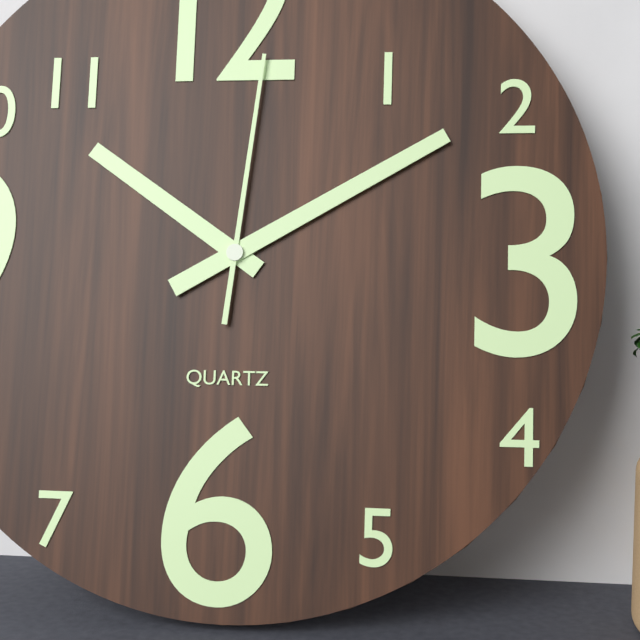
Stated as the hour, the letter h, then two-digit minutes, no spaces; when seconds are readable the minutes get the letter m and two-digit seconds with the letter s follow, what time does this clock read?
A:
10h10m01s
